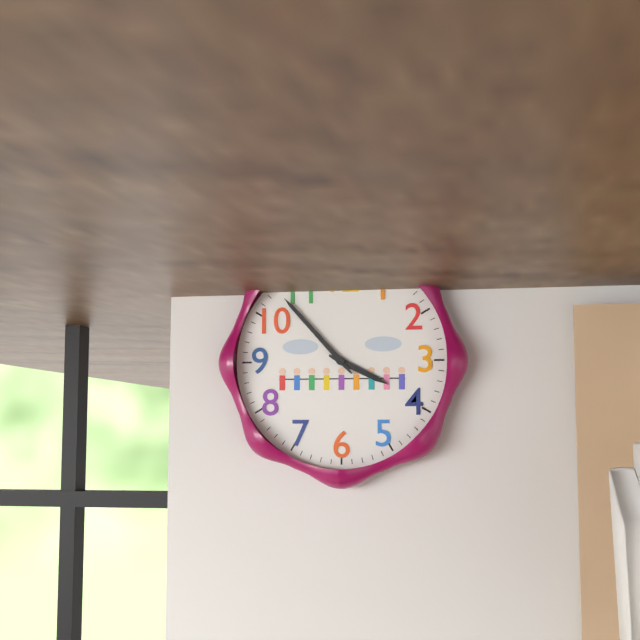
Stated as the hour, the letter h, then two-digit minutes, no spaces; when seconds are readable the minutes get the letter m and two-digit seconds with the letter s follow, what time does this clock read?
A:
3h53
